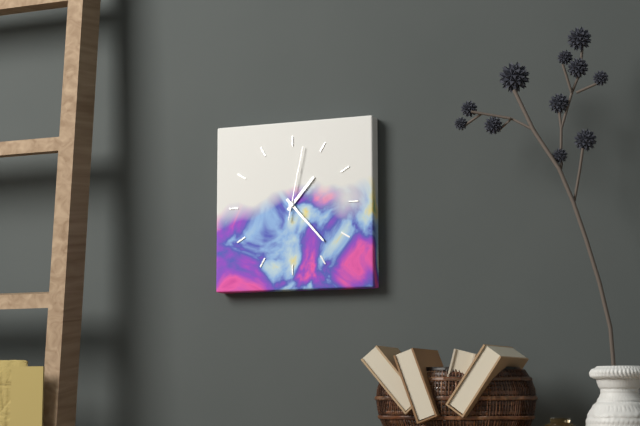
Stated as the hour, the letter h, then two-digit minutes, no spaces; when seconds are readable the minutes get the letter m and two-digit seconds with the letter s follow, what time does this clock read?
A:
1h23m02s
